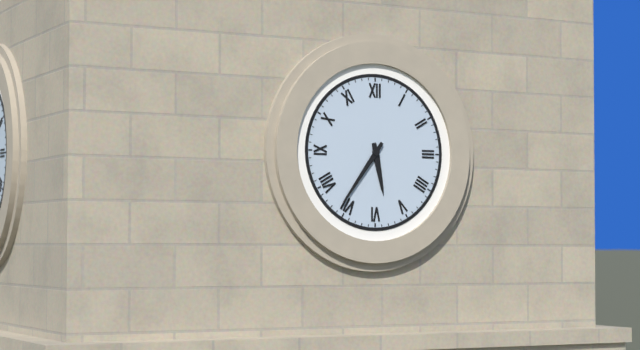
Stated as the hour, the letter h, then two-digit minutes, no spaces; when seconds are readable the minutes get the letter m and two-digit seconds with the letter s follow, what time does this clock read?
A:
5h36
